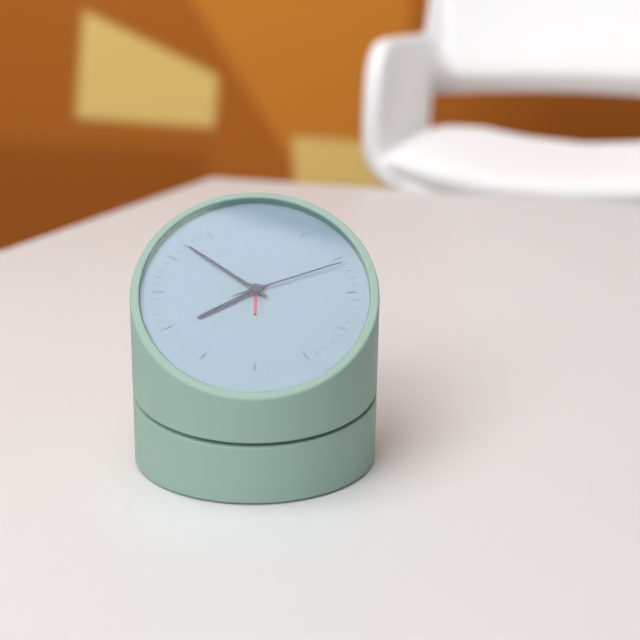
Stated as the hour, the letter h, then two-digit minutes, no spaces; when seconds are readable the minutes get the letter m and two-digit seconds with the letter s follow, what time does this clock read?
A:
7h52m11s
